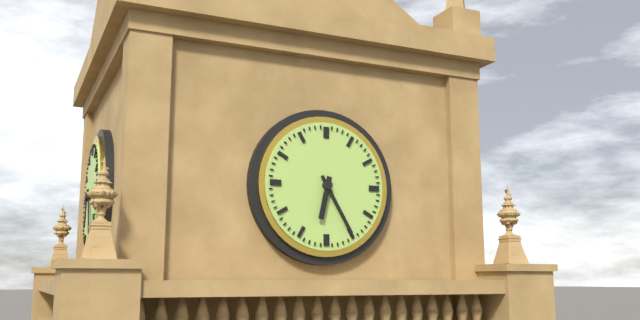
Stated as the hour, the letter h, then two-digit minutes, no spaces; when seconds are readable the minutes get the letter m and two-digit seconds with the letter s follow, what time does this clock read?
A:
6h25
